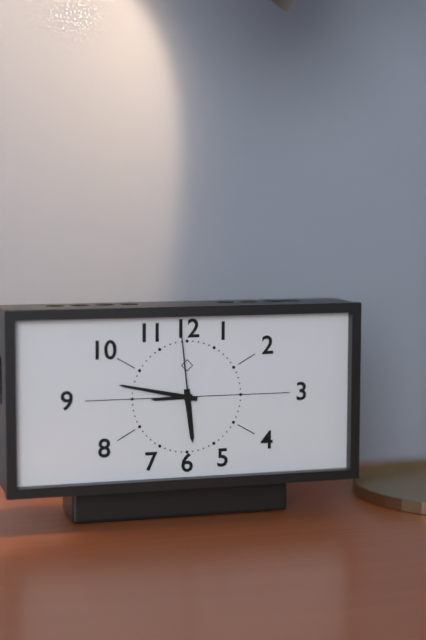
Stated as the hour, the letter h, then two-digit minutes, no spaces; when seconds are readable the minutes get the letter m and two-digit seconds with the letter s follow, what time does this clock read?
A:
5h47m59s
